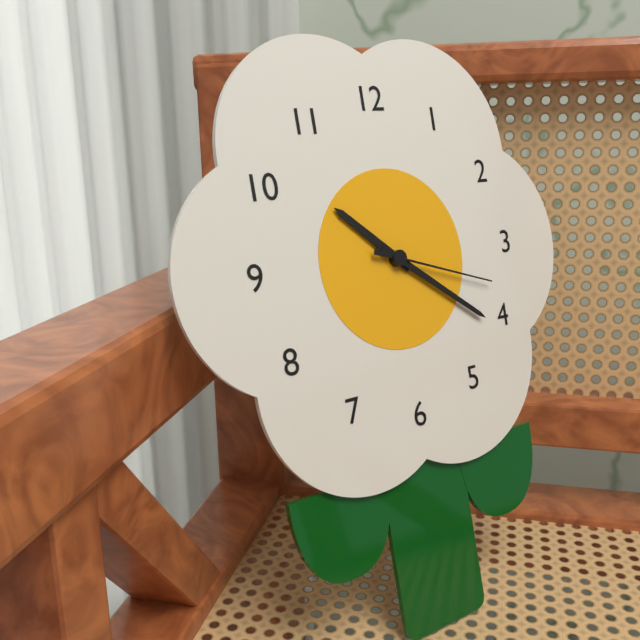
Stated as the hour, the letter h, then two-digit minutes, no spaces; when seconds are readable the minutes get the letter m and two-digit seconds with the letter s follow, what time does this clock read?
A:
10h21m18s
